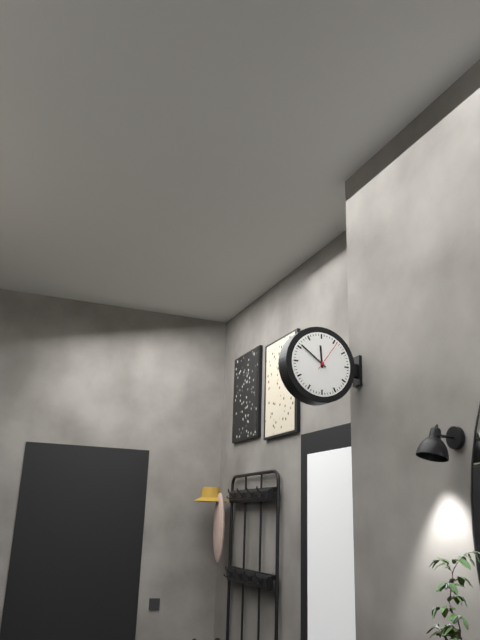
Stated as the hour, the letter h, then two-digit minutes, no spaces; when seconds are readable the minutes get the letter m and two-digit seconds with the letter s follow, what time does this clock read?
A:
11h51
